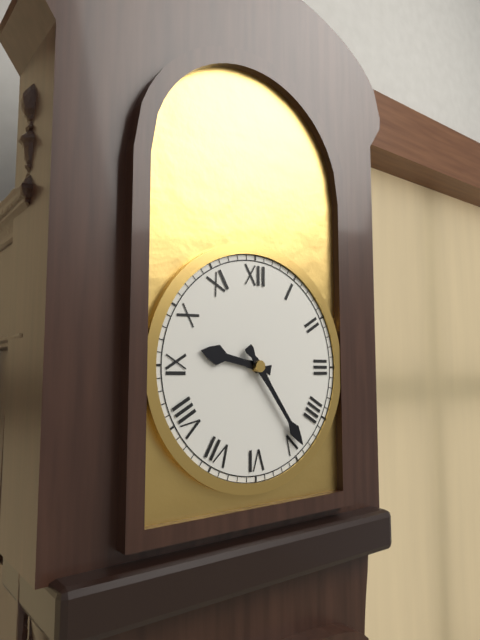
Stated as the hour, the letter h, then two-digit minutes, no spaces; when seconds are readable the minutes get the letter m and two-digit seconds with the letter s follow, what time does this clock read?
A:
9h24
